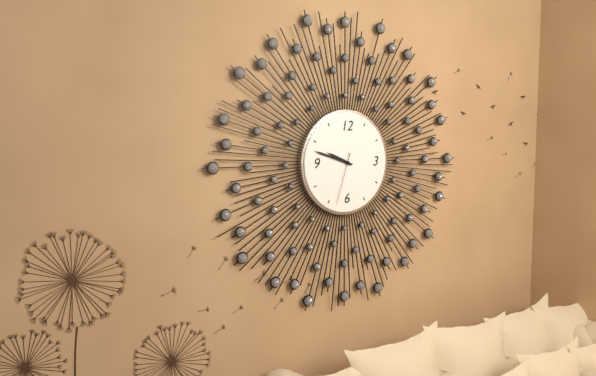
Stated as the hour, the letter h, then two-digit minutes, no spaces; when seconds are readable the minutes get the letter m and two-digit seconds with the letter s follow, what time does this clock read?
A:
9h48m33s
